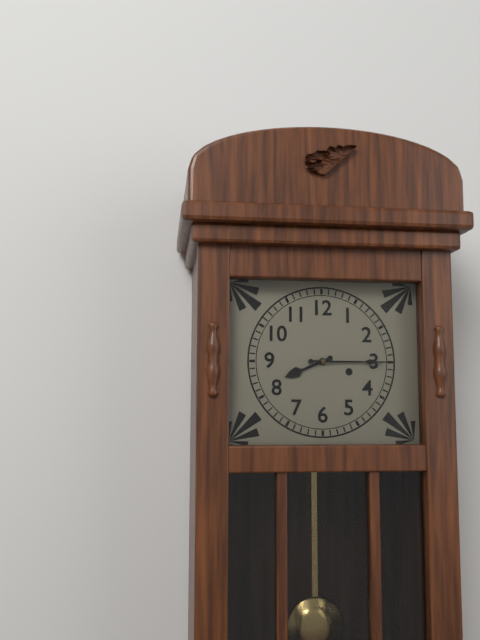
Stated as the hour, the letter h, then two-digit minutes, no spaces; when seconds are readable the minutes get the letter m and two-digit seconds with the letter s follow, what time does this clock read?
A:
8h15
